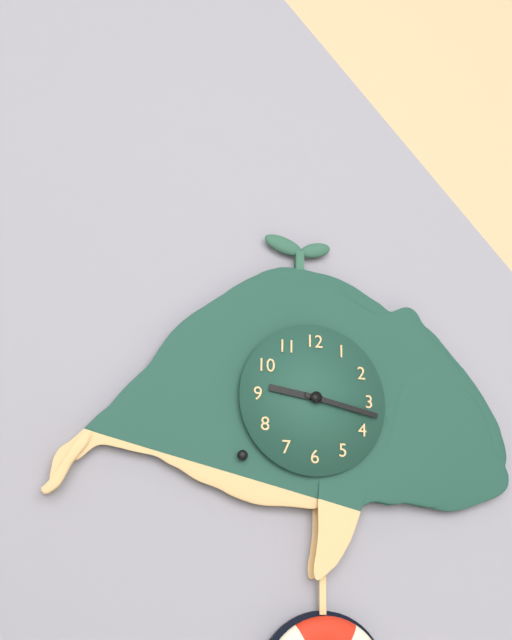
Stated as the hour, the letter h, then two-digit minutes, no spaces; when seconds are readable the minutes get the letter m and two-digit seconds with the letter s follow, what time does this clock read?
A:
9h17
